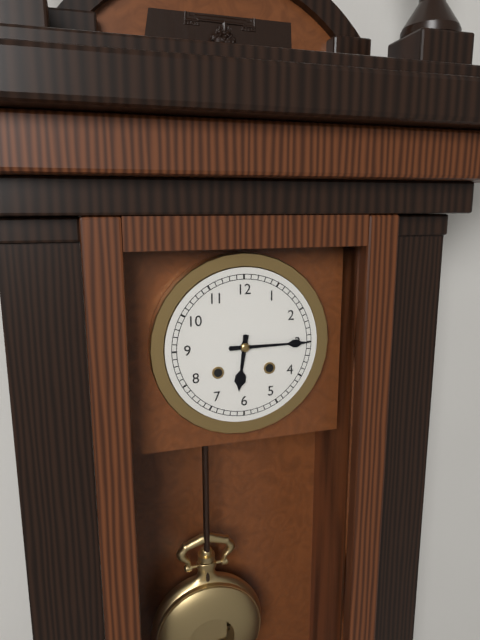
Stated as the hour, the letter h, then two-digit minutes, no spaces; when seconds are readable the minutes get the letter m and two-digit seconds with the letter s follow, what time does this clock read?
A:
6h15
